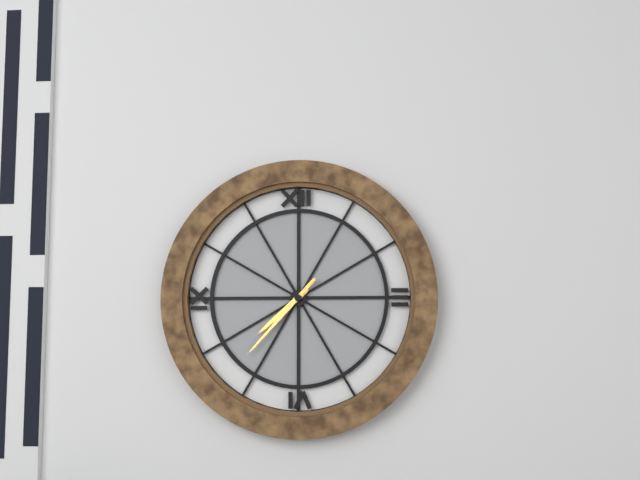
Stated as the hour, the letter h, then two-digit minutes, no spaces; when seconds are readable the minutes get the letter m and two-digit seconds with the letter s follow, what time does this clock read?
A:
7h37
